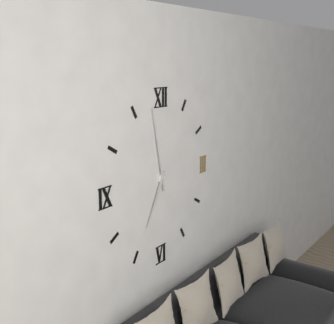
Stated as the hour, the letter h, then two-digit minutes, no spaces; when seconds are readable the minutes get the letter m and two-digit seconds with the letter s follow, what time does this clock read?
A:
6h58
